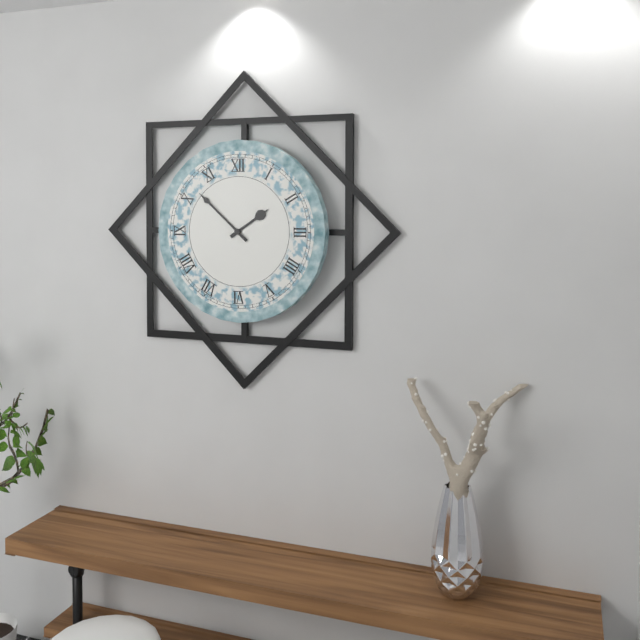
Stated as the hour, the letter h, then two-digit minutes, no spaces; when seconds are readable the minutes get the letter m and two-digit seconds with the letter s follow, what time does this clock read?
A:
1h52
